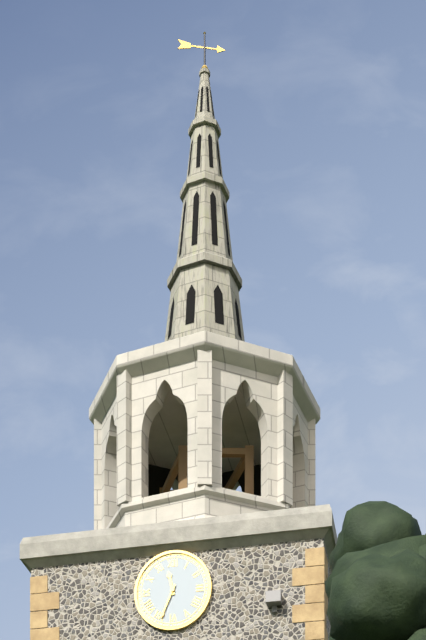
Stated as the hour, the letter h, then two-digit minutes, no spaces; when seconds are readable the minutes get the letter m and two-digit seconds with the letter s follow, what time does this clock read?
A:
11h34
